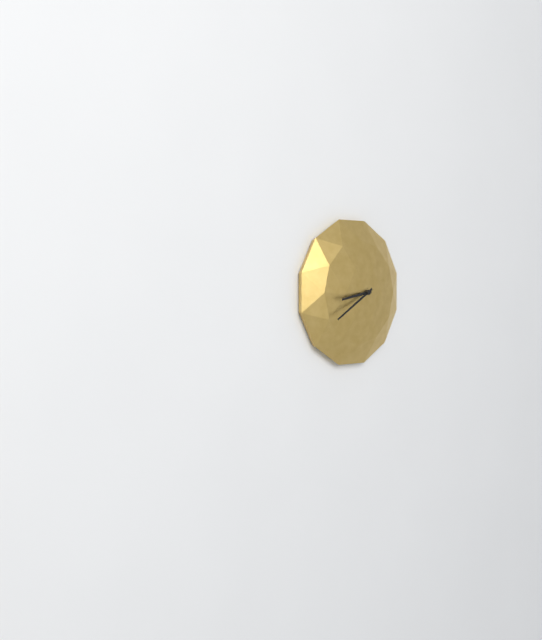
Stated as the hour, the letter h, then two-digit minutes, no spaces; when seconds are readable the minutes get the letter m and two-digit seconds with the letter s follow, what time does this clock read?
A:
8h40
